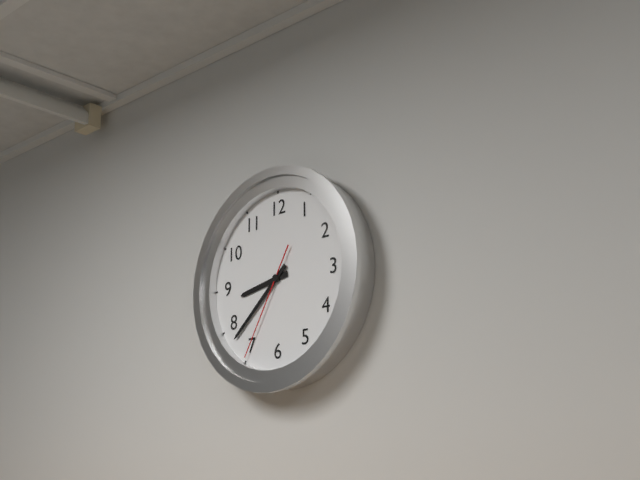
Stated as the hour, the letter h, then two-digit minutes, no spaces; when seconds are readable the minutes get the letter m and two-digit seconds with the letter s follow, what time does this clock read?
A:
8h38m35s
